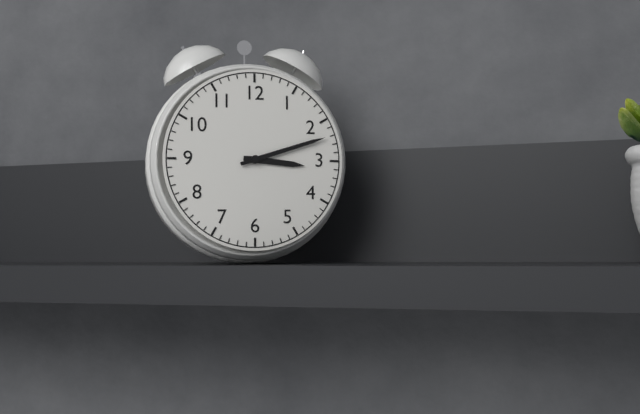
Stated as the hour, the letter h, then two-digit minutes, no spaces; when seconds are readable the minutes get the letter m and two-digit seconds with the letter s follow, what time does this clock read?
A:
3h12
